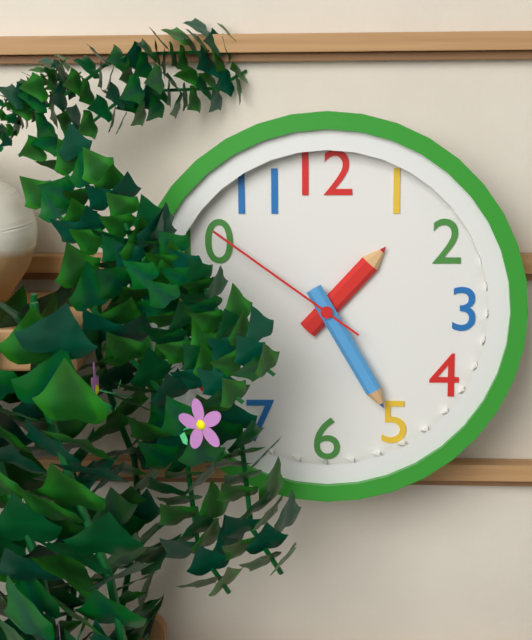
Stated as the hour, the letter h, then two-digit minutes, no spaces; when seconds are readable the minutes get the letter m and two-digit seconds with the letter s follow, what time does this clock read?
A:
1h25m51s
